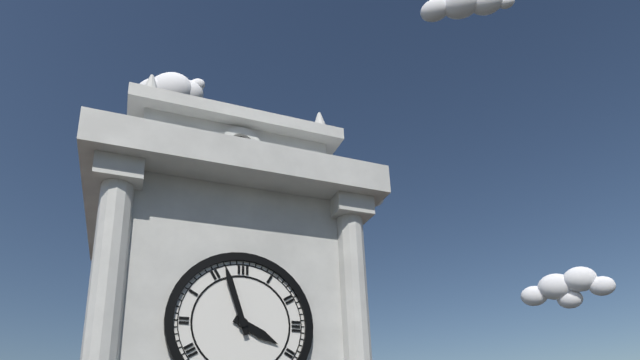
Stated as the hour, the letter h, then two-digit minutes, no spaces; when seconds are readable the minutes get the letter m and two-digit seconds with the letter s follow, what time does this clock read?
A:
3h57
